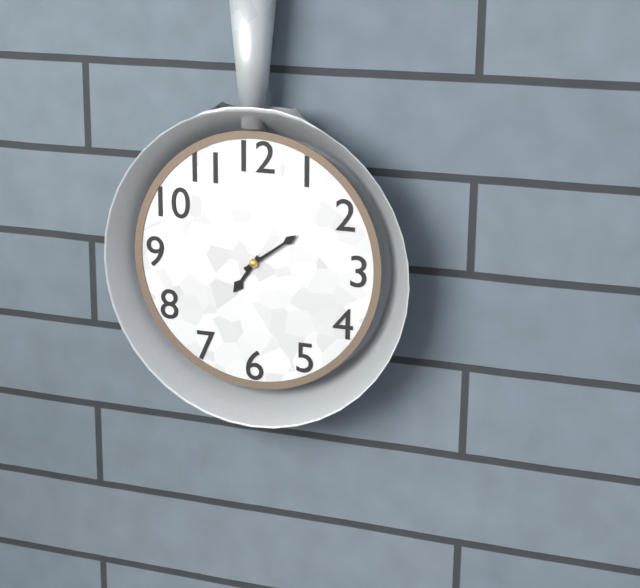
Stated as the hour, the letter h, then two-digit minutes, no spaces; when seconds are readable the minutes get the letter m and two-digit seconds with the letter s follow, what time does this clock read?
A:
7h09
